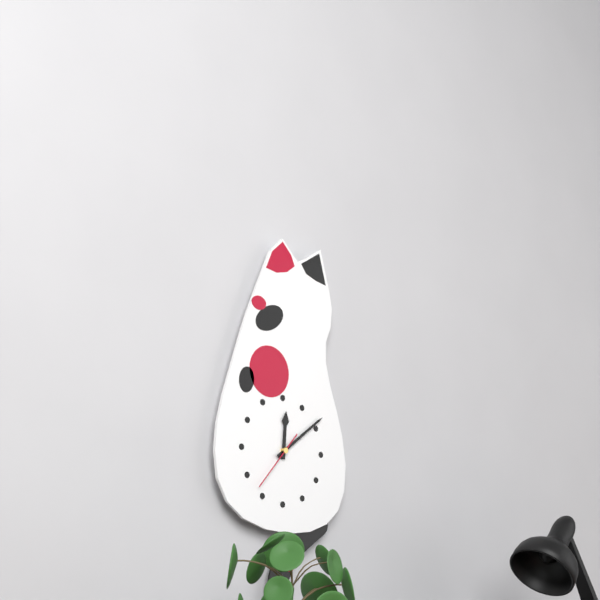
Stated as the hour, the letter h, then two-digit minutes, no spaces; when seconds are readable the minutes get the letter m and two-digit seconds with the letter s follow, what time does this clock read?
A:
12h09m37s
